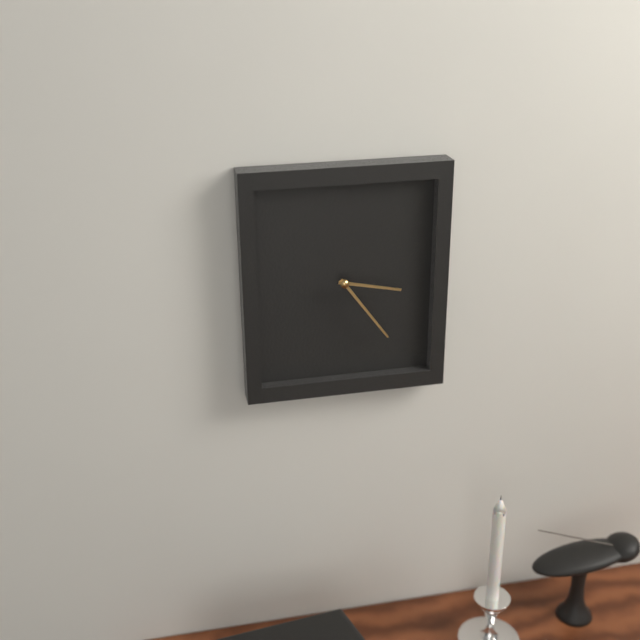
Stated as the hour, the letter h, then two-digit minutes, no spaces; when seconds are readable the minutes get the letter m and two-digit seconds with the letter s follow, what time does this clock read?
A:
3h24
